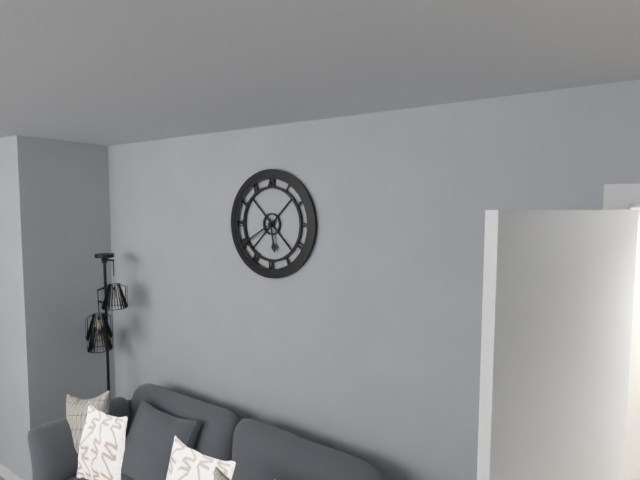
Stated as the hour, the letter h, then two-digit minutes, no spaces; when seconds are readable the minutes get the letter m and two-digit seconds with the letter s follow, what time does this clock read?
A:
5h40
